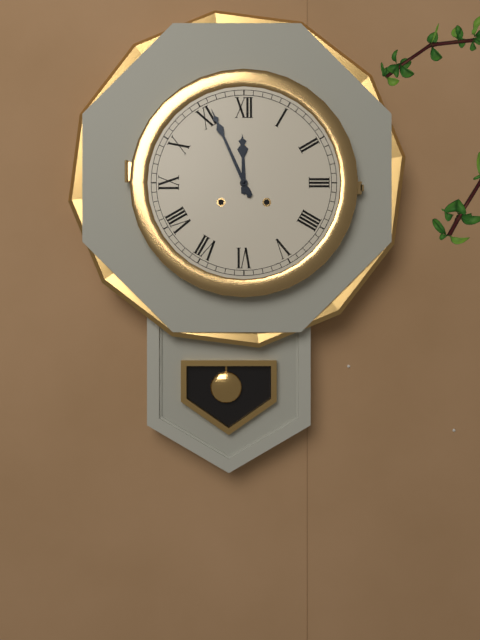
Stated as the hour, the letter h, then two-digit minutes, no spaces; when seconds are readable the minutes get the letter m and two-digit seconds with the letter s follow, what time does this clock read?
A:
11h56
